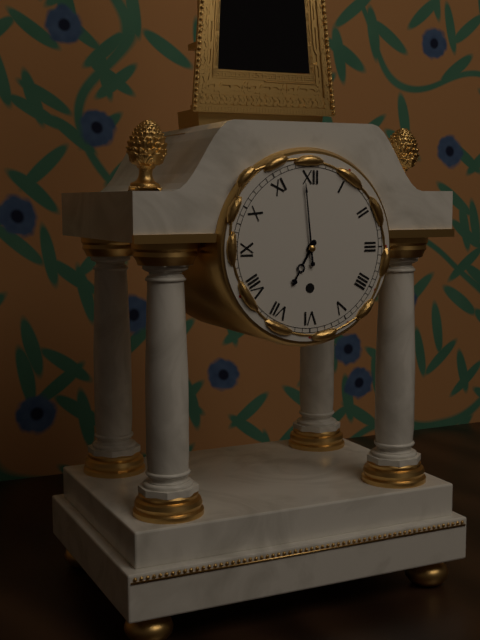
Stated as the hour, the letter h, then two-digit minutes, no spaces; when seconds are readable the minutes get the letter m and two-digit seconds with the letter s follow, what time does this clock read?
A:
6h59
